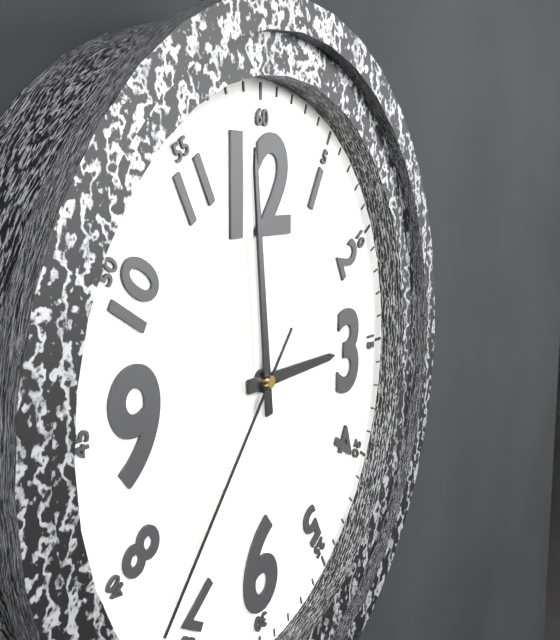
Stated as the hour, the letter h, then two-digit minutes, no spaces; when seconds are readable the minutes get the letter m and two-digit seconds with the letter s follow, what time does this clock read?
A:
2h59m37s
